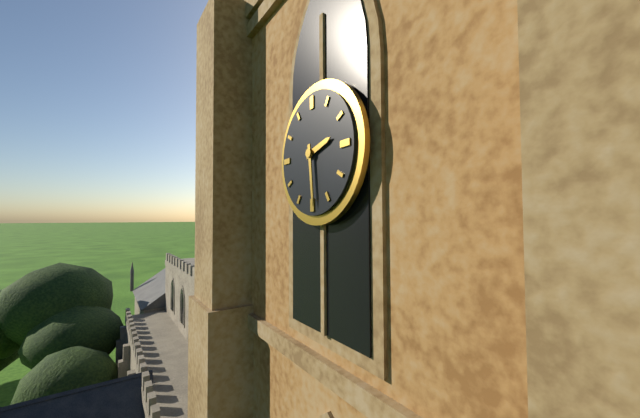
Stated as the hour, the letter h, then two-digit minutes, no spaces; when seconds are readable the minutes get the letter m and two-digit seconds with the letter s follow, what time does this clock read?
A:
2h29
